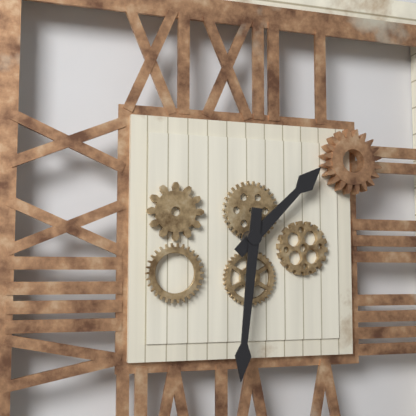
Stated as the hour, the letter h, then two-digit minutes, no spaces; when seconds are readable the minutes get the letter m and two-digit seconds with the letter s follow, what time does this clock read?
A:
1h31
